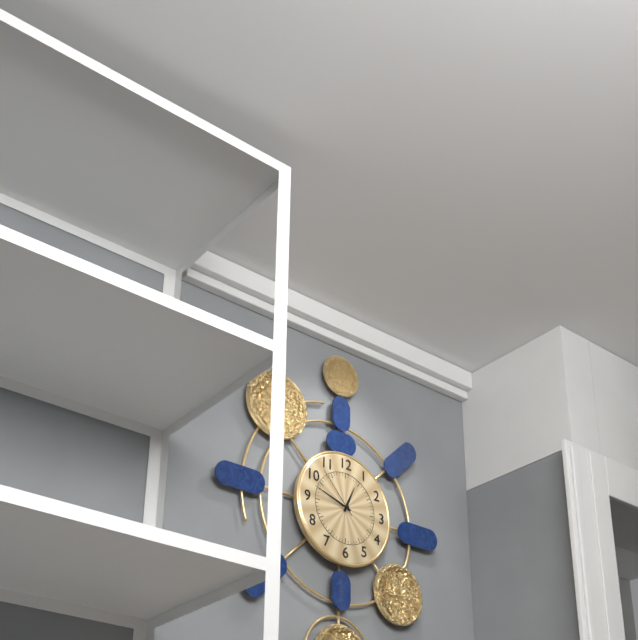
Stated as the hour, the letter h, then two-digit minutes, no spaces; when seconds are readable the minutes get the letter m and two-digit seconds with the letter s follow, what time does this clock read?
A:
12h48m53s
